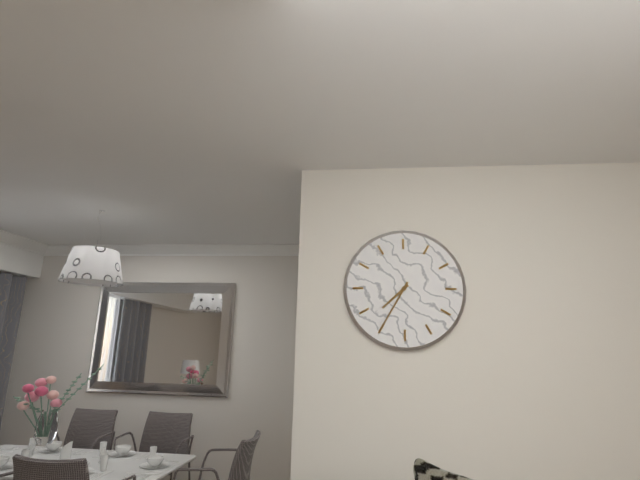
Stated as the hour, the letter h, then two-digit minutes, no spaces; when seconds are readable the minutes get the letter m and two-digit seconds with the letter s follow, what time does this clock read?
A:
7h35
